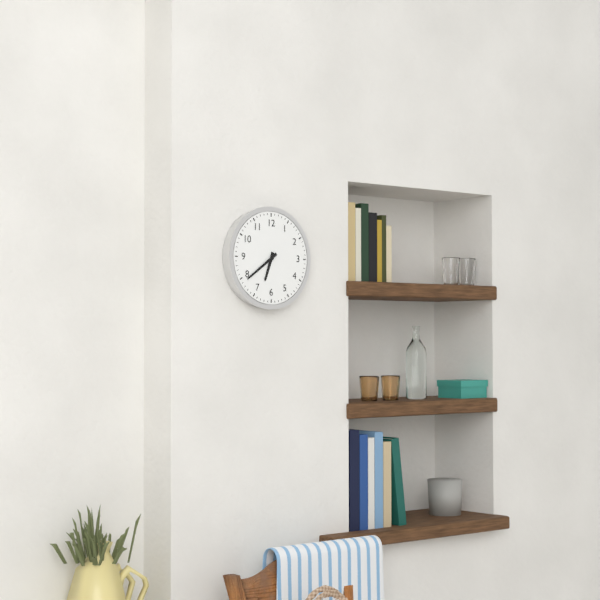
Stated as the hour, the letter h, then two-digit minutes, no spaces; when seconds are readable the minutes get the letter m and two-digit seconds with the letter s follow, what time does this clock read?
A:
6h39
